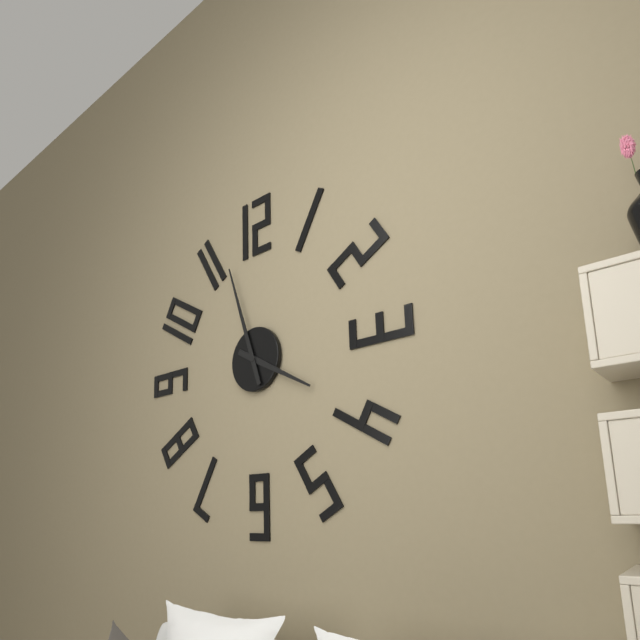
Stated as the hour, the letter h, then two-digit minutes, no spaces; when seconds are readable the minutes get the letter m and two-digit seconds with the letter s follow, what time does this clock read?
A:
3h57
